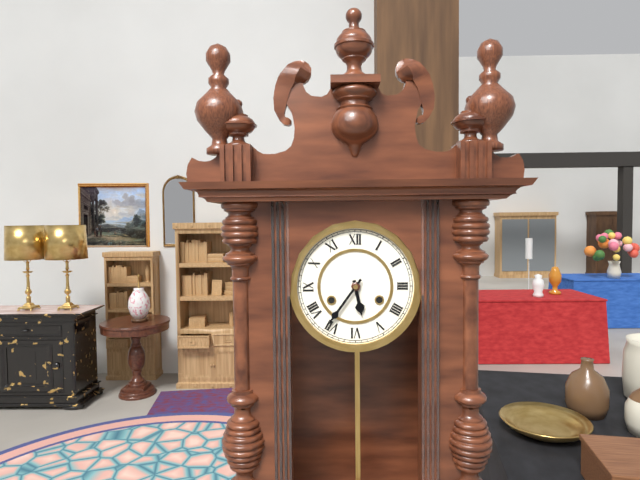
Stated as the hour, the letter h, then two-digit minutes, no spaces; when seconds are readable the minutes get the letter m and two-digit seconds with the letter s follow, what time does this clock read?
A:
5h36
